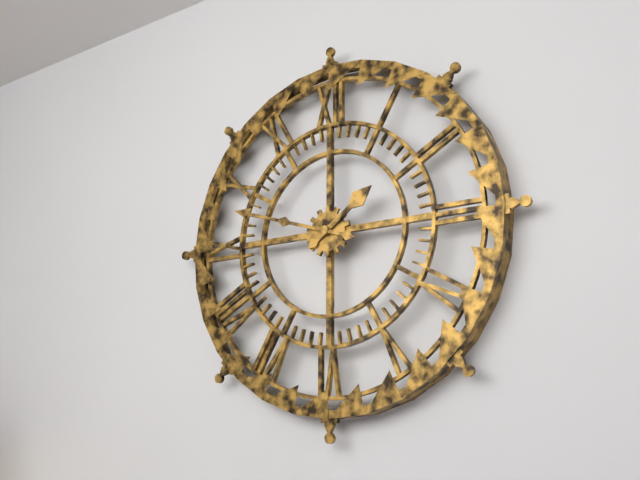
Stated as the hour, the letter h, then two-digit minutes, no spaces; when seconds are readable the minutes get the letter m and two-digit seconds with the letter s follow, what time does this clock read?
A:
1h48
